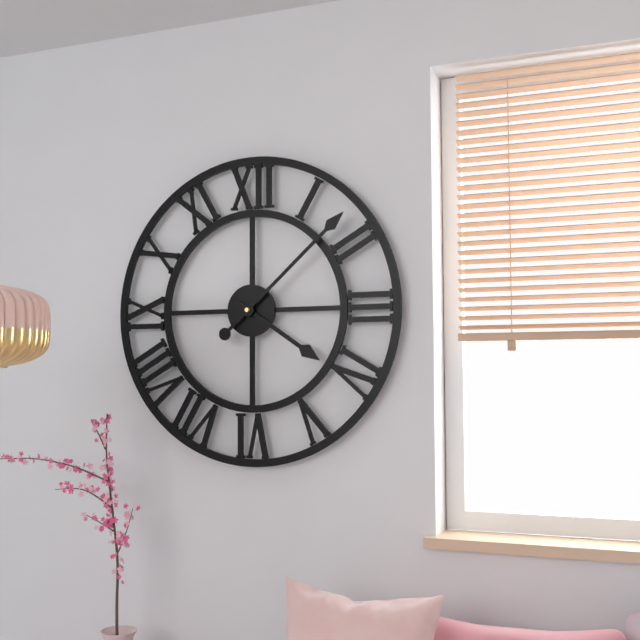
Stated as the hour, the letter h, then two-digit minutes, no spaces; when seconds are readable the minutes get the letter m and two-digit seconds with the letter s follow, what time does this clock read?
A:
4h08
